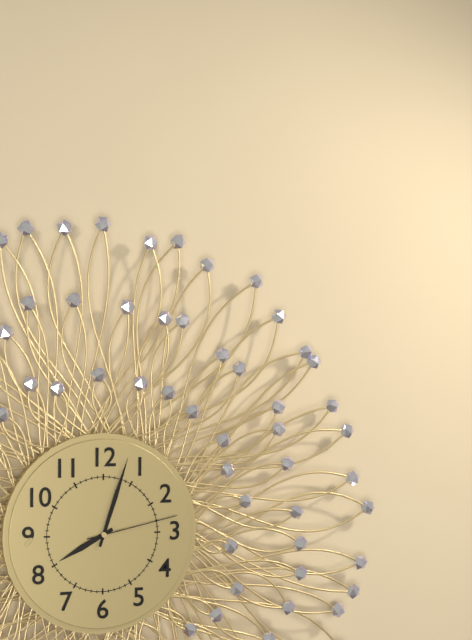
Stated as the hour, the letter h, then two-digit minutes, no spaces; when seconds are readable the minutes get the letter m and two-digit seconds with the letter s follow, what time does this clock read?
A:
8h03m13s
